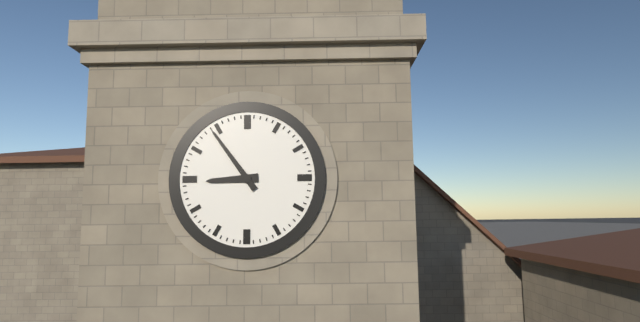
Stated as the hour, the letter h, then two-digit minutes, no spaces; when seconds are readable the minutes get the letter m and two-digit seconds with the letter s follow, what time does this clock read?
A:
8h54
